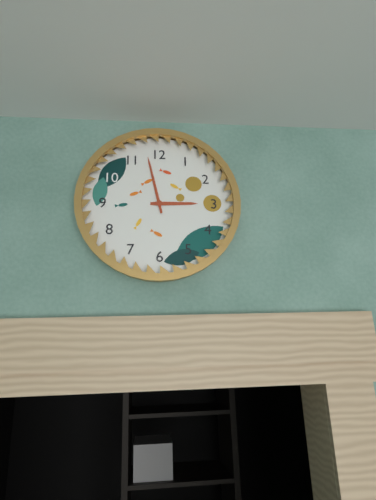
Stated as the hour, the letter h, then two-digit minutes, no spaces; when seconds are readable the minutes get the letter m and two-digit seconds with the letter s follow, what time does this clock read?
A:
2h58
